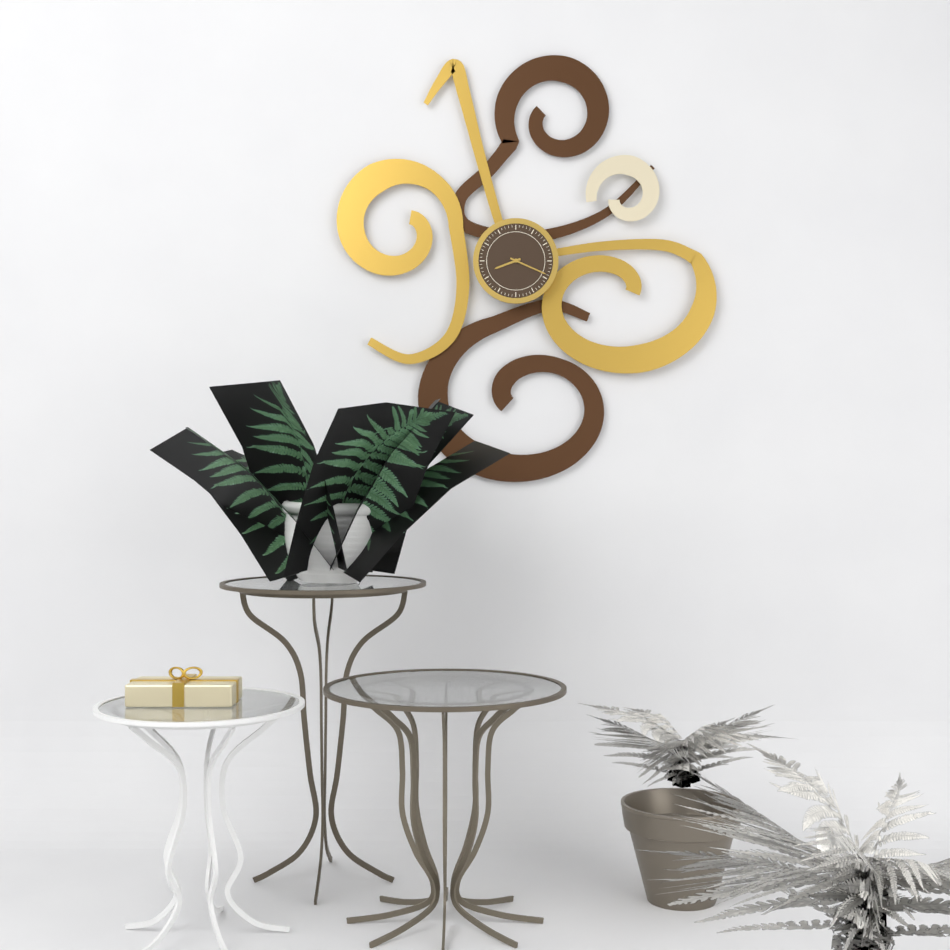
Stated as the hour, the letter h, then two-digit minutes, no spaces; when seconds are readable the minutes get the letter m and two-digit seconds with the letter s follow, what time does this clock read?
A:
8h19
